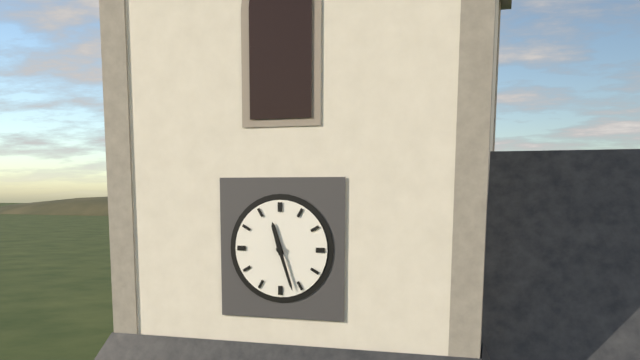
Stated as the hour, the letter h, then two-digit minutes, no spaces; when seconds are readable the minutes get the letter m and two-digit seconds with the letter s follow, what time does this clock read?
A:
11h27
